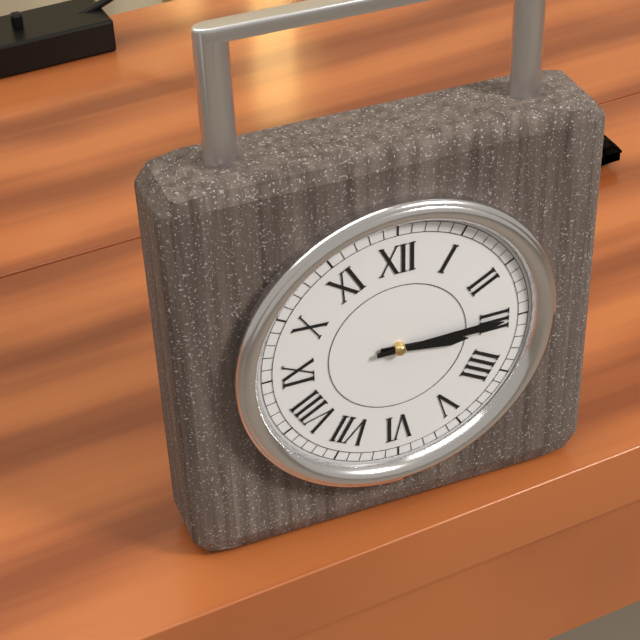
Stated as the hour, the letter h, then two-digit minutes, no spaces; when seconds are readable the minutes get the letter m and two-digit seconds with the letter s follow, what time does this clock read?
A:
3h15
